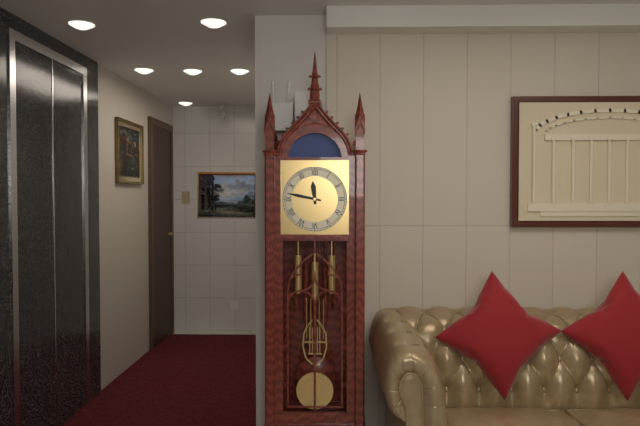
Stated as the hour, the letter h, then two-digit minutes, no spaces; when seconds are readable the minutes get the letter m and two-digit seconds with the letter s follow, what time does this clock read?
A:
11h47
